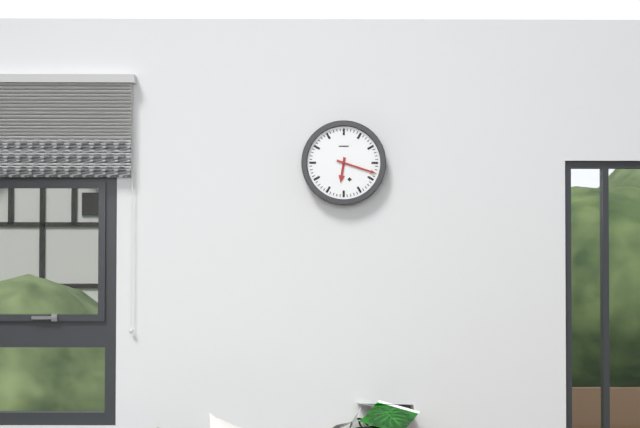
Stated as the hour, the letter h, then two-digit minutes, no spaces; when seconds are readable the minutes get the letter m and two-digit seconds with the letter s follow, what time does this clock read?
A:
6h18
